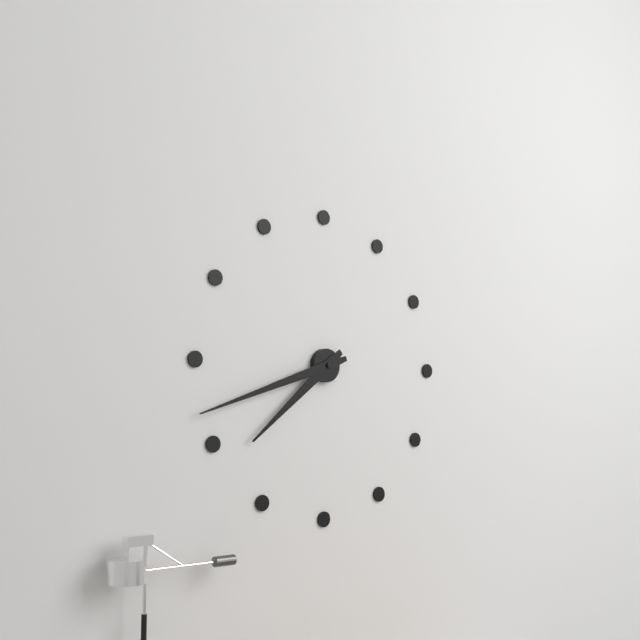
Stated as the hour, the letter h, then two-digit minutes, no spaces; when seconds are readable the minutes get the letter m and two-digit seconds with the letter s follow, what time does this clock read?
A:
7h42
